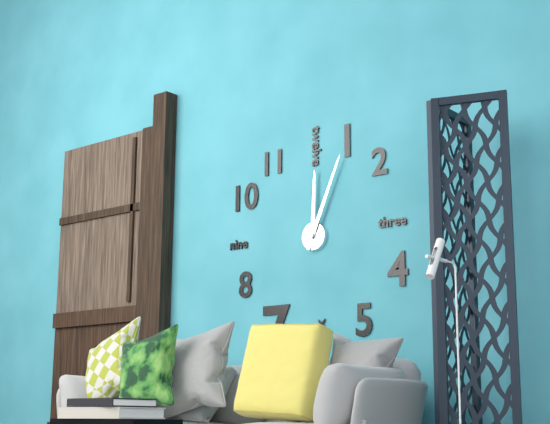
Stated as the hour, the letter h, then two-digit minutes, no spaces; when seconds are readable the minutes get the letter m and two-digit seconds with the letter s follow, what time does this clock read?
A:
12h04
